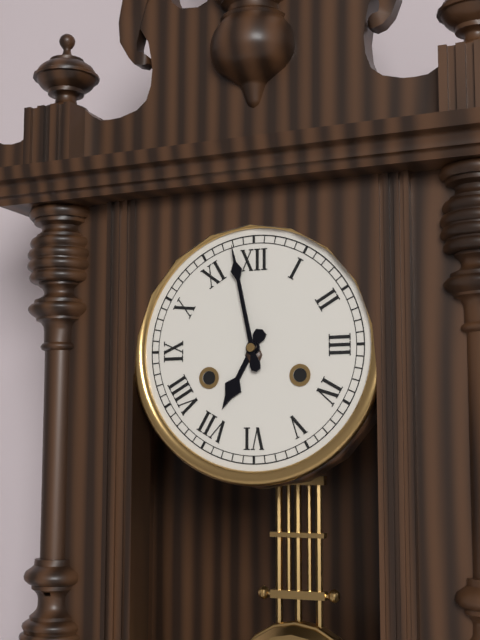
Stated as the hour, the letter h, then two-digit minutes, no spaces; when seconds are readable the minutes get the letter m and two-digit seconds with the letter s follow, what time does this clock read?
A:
6h58
